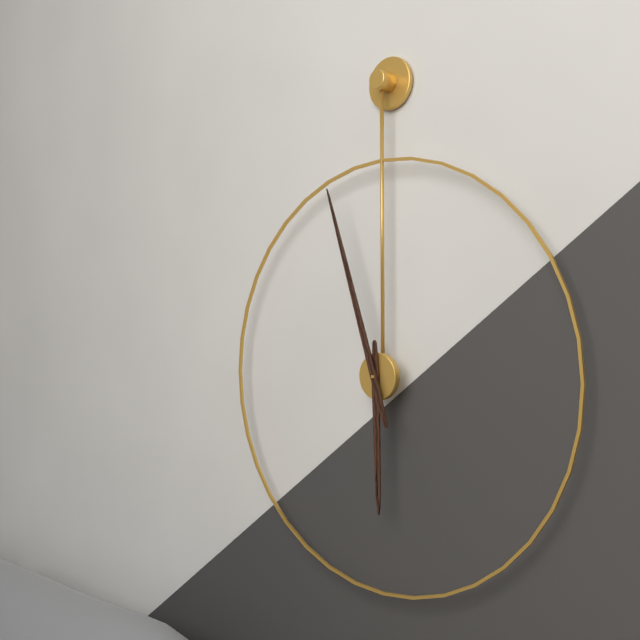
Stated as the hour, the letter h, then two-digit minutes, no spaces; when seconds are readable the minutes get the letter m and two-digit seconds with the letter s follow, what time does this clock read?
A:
5h57
